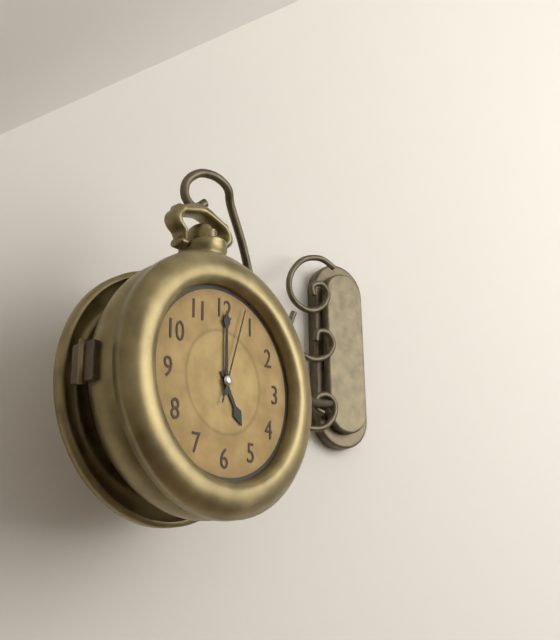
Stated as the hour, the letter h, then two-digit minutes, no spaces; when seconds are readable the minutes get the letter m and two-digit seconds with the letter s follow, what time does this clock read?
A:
5h00m03s
